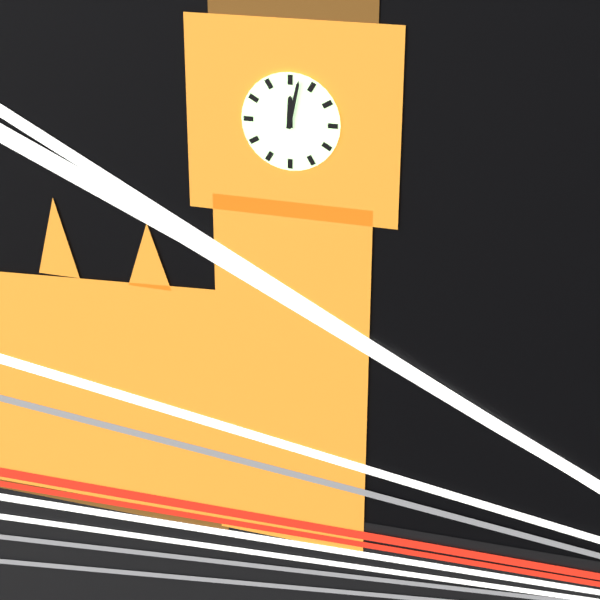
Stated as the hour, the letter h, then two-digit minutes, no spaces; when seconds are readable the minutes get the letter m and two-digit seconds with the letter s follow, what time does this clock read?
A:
12h02
